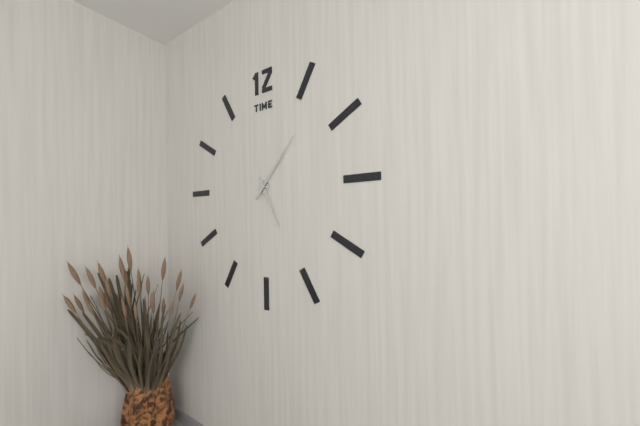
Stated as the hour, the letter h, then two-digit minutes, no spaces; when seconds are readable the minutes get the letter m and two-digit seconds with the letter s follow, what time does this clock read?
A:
5h07
